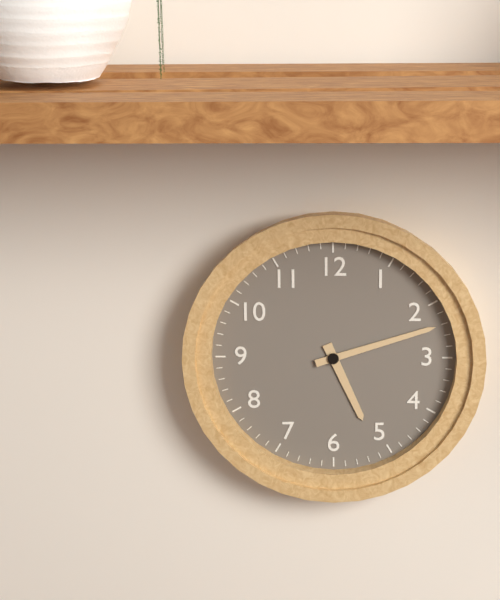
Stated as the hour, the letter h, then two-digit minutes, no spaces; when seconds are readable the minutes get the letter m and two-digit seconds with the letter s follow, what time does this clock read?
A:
5h12
